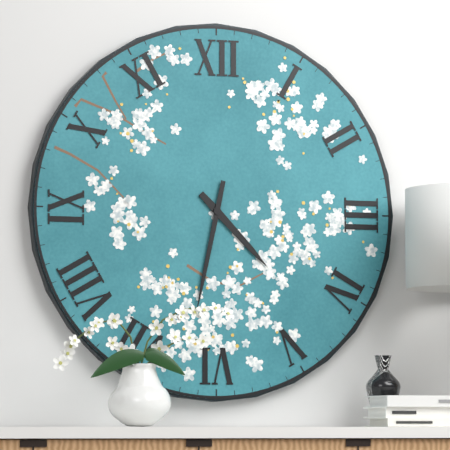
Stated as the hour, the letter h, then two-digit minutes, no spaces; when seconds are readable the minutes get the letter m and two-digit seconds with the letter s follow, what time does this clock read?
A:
4h32
